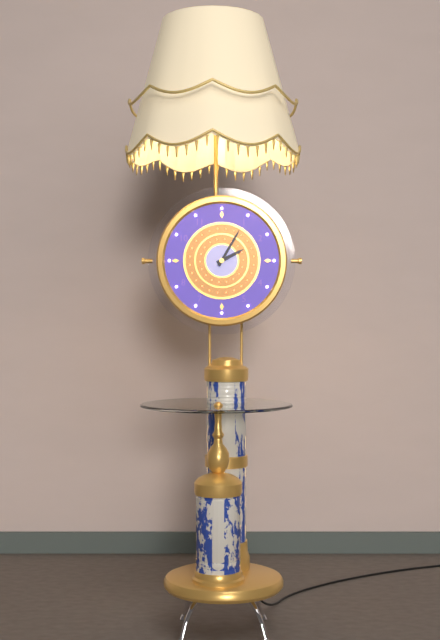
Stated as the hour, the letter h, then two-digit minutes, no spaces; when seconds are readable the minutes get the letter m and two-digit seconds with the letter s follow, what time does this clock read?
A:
2h05
